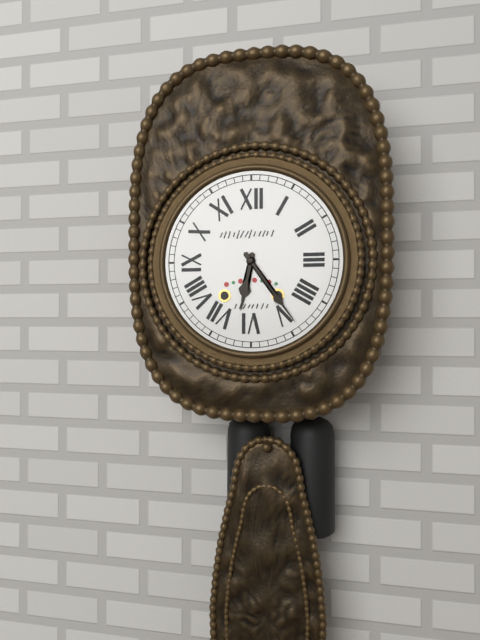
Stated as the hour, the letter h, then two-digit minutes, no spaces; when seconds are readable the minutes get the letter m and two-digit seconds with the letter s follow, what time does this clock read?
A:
6h24
